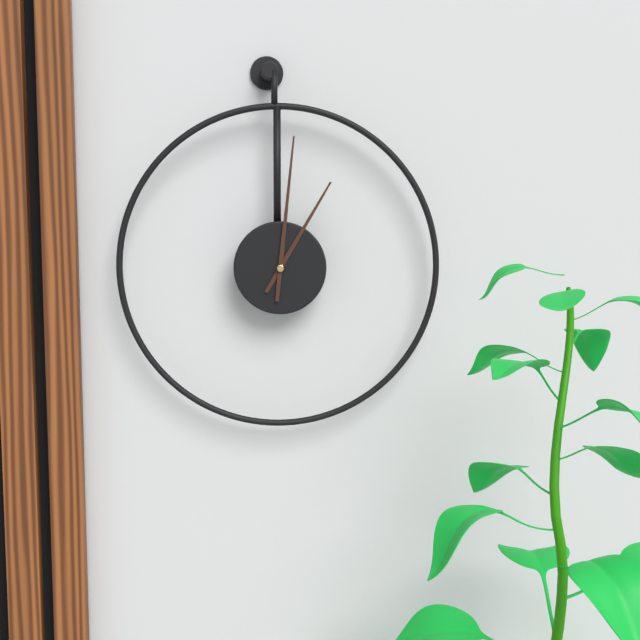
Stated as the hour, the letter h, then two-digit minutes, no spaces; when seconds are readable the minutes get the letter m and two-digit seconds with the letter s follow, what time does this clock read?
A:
1h01
